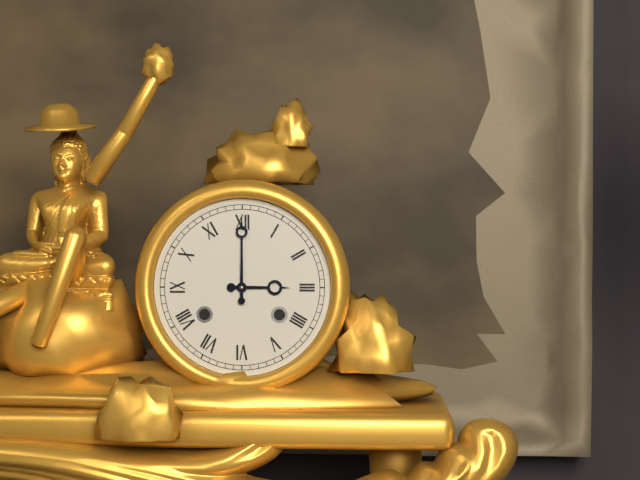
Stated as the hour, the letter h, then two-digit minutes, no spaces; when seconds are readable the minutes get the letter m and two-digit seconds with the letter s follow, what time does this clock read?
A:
3h00
